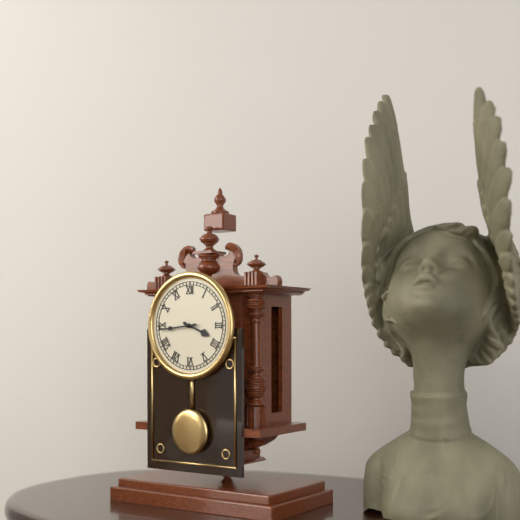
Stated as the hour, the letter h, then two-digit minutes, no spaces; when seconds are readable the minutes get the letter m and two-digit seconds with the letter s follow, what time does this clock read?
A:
3h44
